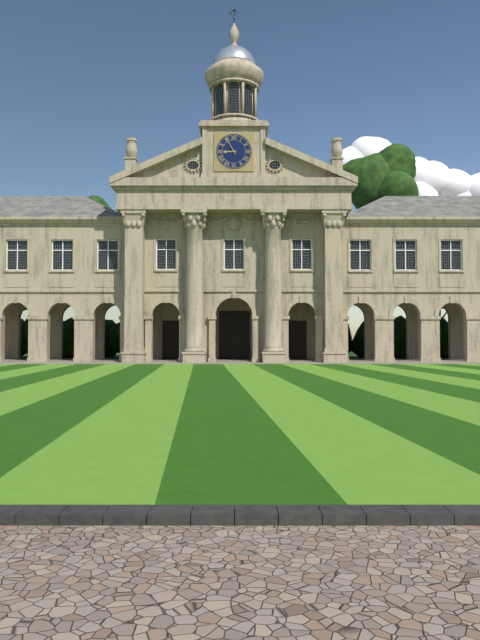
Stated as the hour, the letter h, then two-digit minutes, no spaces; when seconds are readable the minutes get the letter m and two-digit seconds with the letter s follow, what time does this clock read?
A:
8h55
